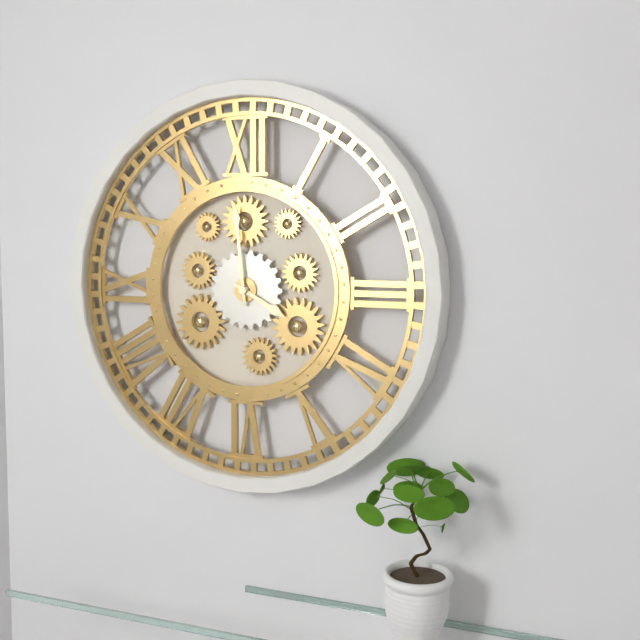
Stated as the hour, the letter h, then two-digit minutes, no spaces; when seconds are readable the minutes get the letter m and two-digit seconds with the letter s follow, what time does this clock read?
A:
3h59
